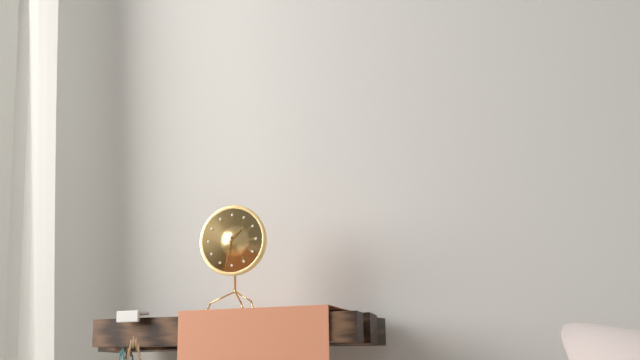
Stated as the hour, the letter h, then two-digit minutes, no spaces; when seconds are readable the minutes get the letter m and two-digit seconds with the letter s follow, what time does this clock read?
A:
1h32
